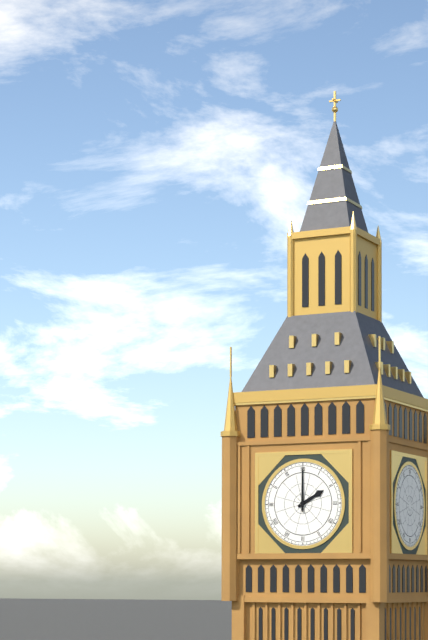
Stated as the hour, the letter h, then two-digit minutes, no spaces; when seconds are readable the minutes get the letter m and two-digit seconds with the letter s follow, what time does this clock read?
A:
2h00
